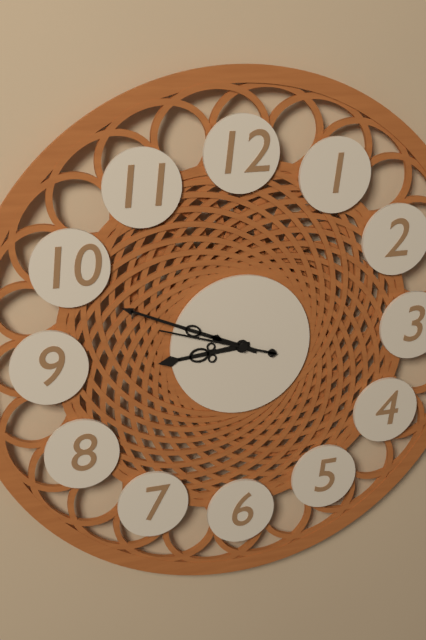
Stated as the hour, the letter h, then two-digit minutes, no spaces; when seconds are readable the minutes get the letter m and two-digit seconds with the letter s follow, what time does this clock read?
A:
8h49m48s
